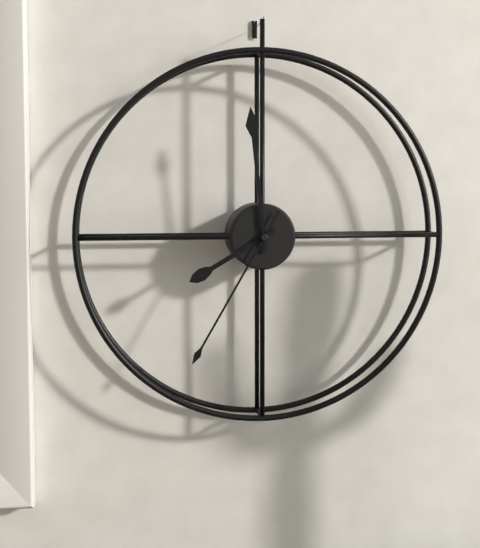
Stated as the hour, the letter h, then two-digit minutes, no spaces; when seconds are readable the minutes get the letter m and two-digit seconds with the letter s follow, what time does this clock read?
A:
7h59m35s
